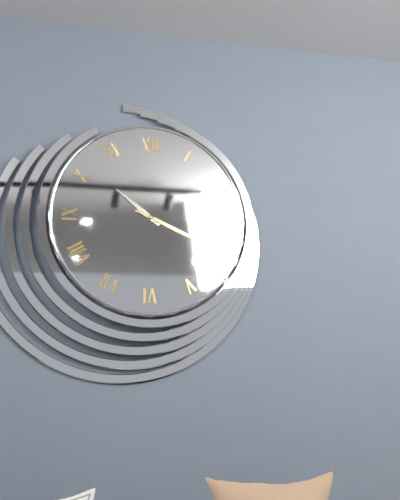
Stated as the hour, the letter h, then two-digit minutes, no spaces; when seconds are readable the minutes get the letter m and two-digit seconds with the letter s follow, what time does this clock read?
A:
10h19
